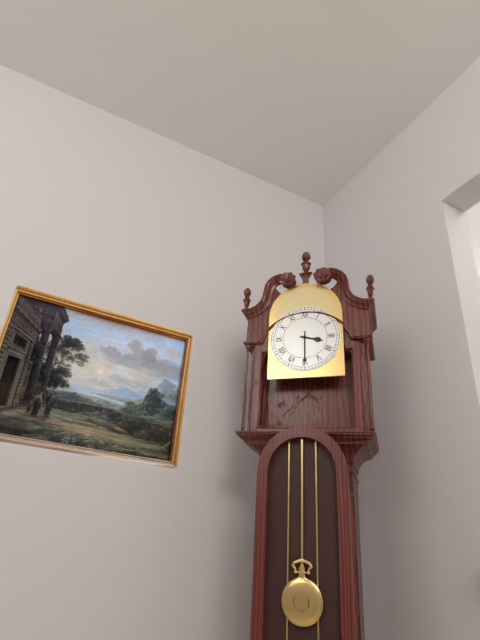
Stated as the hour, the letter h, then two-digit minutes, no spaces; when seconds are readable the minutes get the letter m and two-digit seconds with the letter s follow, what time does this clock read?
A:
3h30
